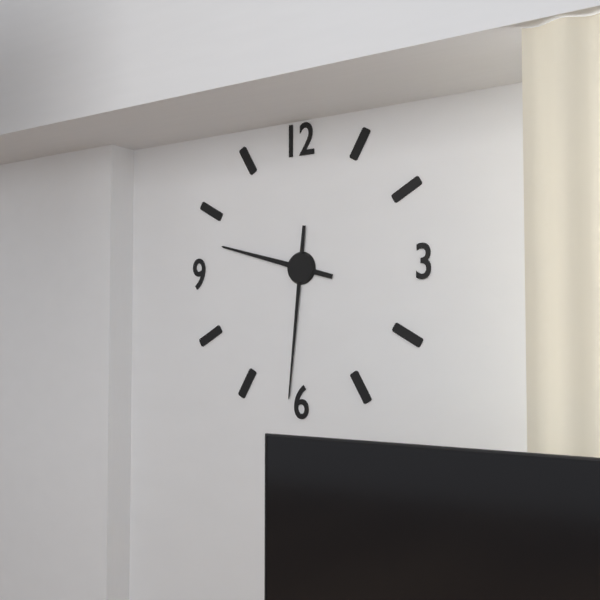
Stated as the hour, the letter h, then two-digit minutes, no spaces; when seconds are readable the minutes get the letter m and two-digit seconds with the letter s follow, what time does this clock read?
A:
9h31
